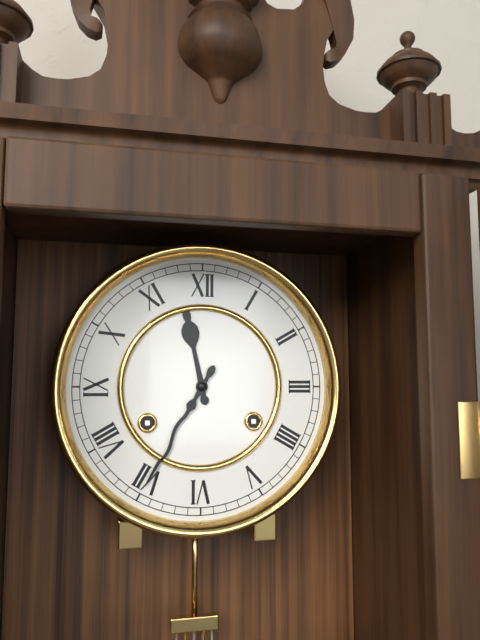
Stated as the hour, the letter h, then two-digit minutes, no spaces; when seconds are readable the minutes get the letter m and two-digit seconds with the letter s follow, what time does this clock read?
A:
11h35
